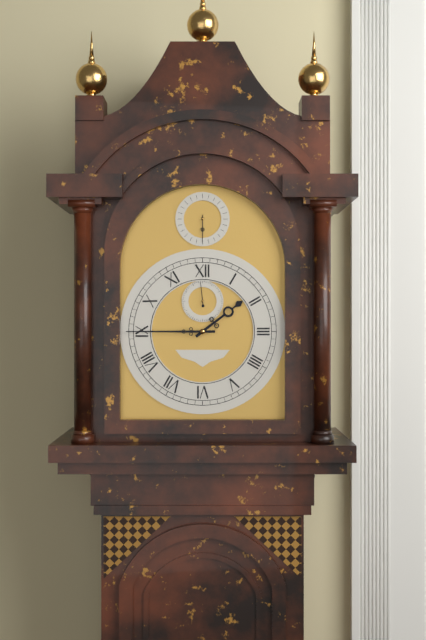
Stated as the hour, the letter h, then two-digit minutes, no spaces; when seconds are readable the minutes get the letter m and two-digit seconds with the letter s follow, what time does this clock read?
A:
1h45
